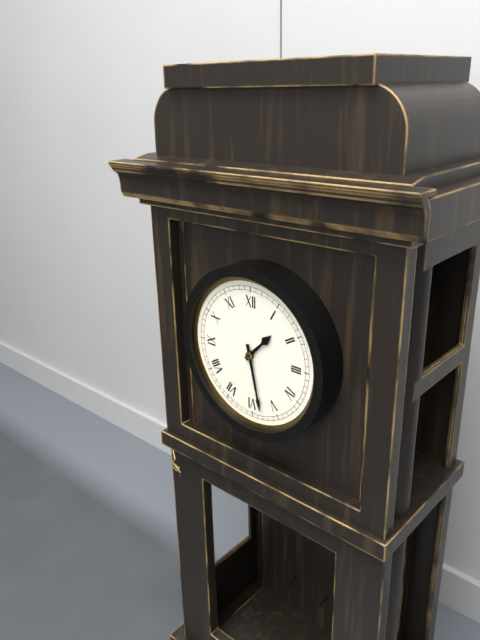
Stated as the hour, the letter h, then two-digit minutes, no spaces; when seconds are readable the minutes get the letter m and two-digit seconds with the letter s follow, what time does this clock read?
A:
1h28
